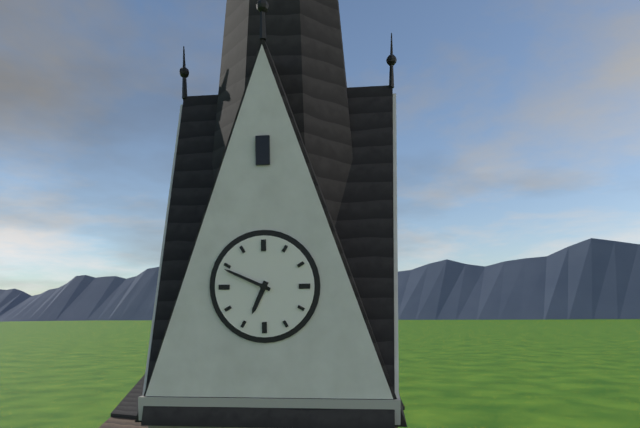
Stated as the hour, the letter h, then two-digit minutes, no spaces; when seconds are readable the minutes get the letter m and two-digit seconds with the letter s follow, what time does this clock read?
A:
6h49
